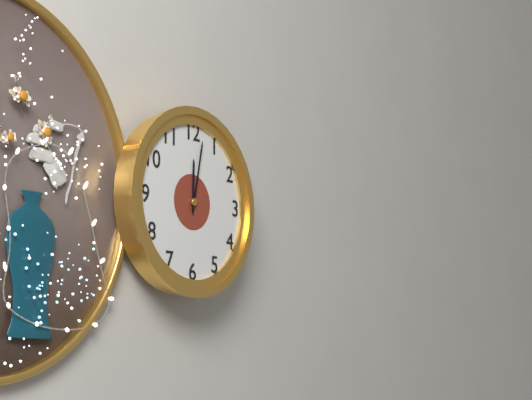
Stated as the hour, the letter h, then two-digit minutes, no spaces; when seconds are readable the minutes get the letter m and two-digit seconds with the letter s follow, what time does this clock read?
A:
12h02
